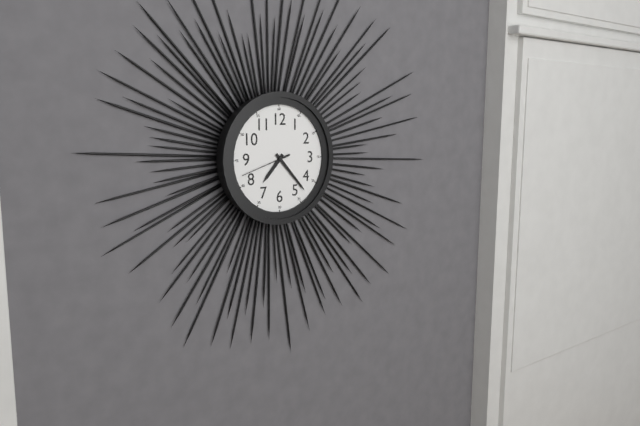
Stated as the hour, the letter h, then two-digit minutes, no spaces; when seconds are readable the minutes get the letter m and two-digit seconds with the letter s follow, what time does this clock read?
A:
7h23m42s
